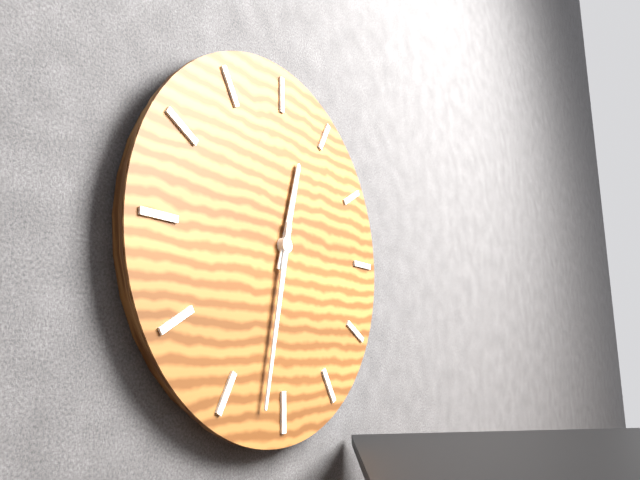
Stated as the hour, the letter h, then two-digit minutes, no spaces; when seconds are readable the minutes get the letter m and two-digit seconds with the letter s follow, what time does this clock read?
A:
12h32
